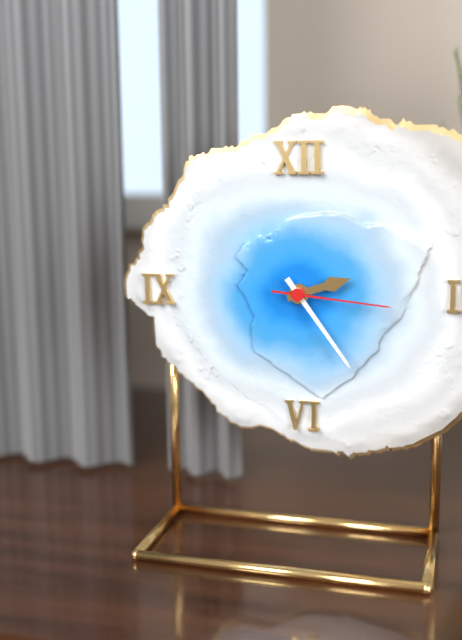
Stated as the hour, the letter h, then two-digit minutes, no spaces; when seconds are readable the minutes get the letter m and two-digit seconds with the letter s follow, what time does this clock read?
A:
2h24m16s
